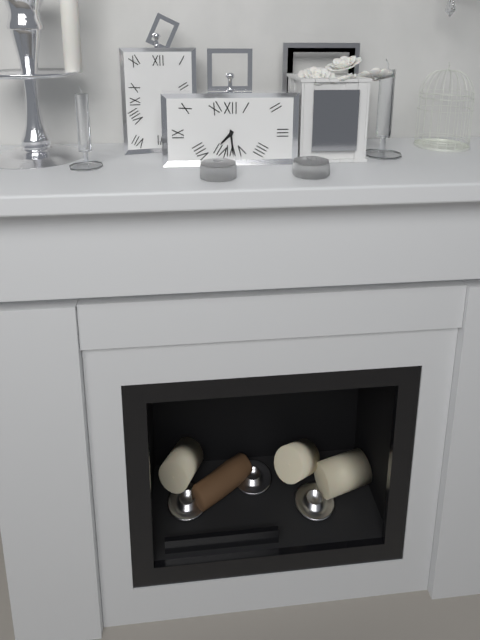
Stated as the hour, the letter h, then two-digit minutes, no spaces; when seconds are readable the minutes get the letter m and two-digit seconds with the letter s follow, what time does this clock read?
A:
7h29
